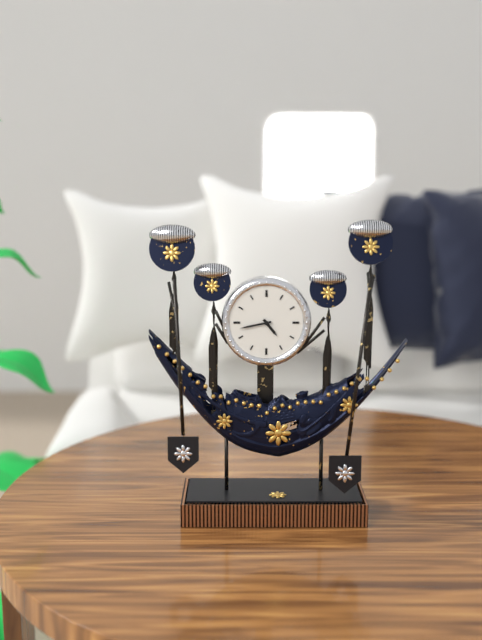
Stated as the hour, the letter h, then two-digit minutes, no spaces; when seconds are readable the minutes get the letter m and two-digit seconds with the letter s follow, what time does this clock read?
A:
4h43
